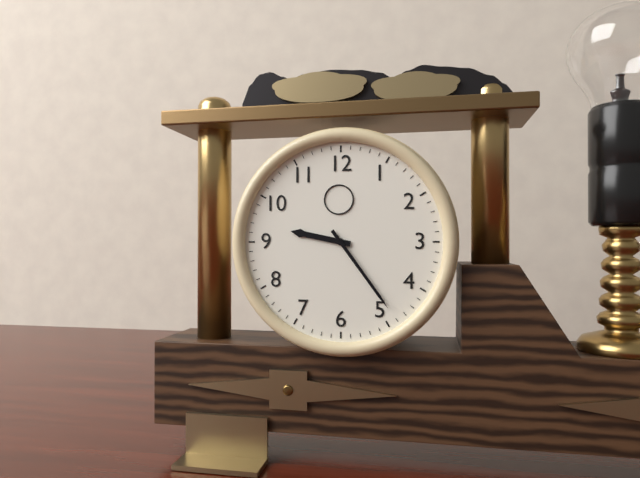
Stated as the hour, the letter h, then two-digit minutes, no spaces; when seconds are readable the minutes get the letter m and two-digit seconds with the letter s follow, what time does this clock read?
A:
9h24
